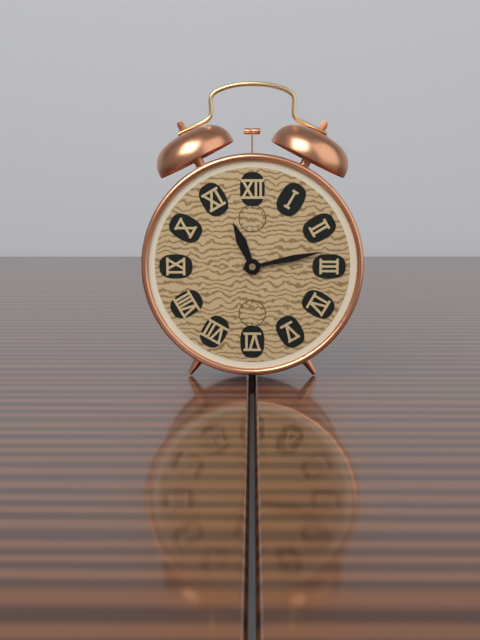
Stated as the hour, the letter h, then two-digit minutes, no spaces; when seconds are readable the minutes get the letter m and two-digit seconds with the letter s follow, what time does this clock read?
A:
11h13
